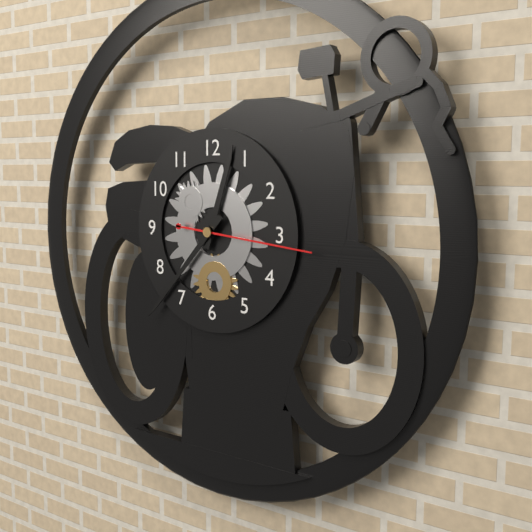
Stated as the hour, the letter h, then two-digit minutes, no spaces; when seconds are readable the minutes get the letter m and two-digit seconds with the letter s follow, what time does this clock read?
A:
12h37m16s
